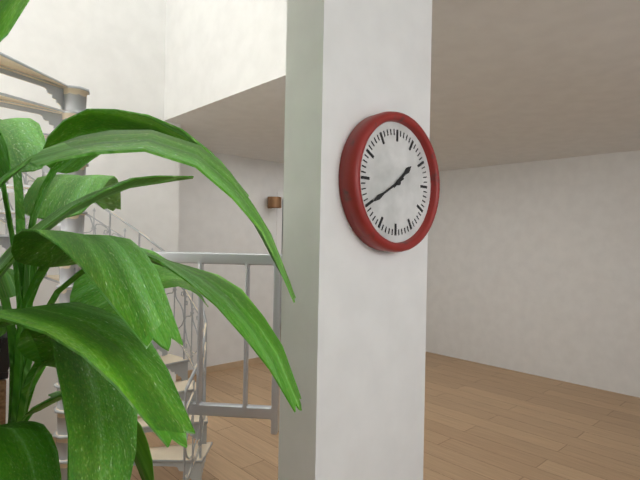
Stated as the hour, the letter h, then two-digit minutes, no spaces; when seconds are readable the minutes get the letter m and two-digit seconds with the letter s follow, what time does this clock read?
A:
1h40
